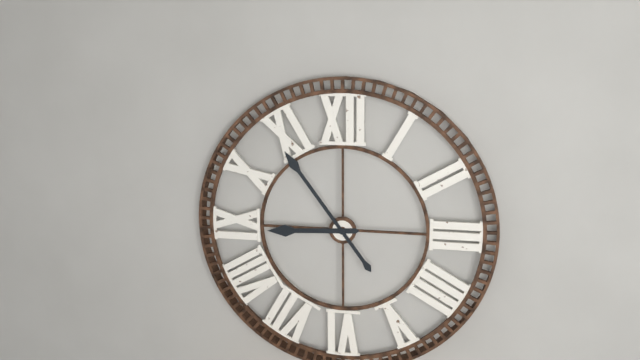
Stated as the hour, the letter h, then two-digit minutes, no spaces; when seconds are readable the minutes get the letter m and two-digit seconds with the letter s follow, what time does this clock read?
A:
8h54
